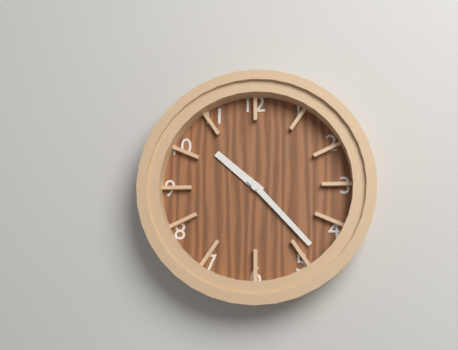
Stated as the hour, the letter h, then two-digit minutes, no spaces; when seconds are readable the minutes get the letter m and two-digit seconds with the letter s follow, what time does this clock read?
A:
10h23
